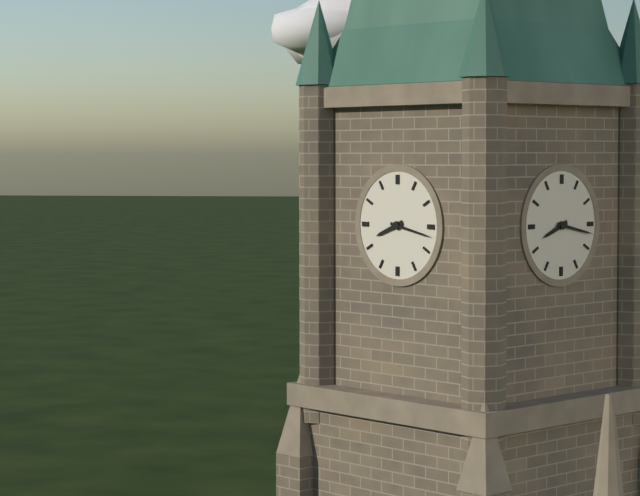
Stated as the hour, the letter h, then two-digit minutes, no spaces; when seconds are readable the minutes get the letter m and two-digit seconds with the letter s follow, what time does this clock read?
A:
8h17
